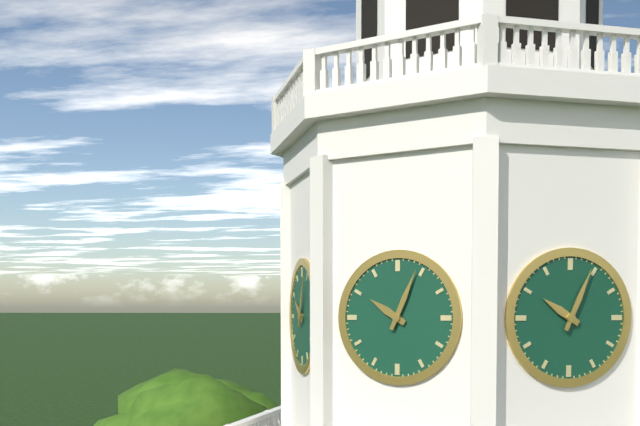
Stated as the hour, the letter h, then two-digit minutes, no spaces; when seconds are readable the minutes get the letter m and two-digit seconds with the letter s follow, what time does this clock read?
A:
10h04
